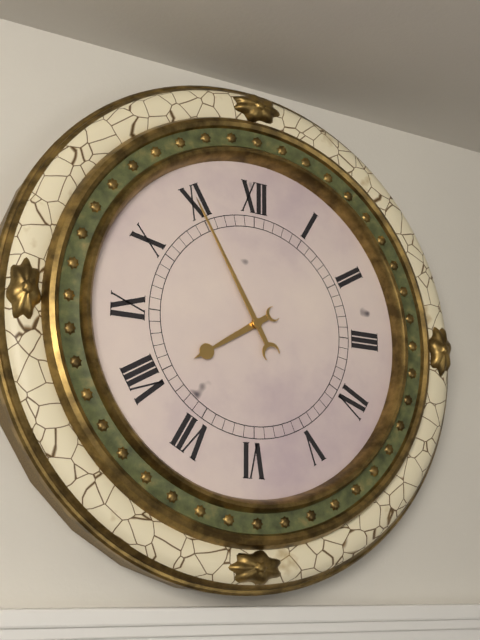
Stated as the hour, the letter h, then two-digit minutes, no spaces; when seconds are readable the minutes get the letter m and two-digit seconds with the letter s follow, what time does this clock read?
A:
7h55
